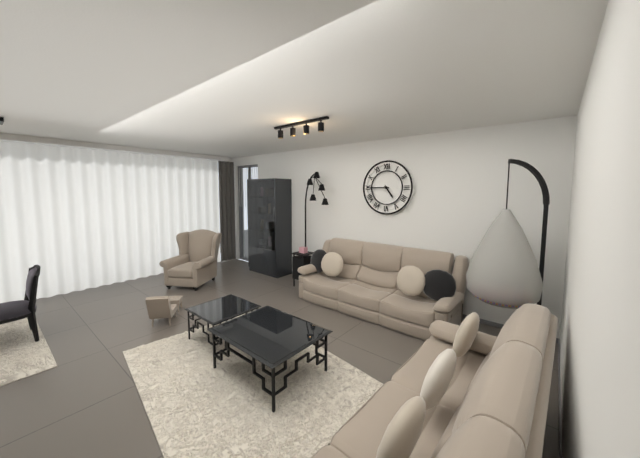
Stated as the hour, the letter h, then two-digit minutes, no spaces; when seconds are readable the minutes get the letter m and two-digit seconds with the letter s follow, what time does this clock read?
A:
4h45
